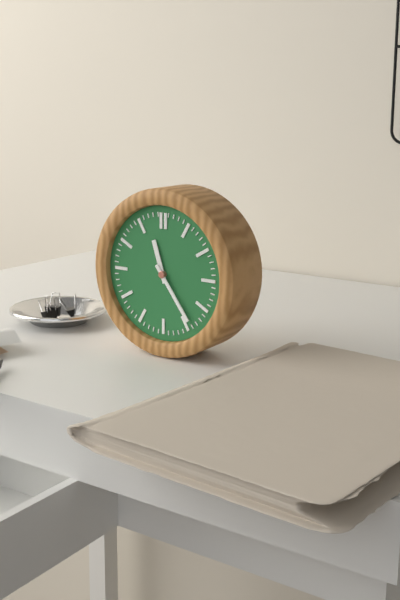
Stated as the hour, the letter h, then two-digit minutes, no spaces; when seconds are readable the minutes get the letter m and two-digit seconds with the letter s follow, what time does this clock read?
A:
11h24
